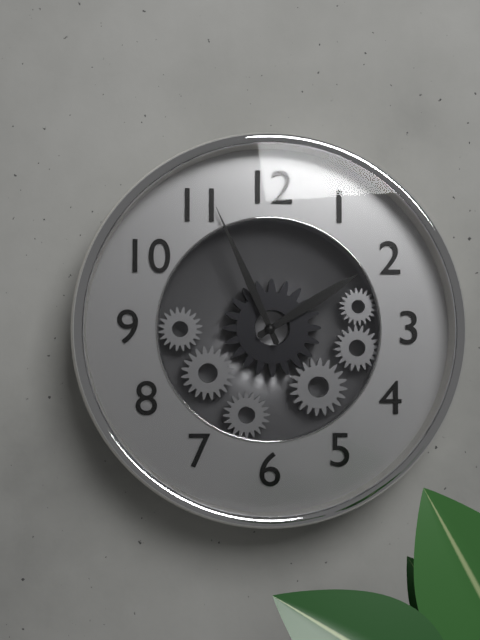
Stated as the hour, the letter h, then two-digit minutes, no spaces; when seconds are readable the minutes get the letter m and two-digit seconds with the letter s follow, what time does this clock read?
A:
1h56
